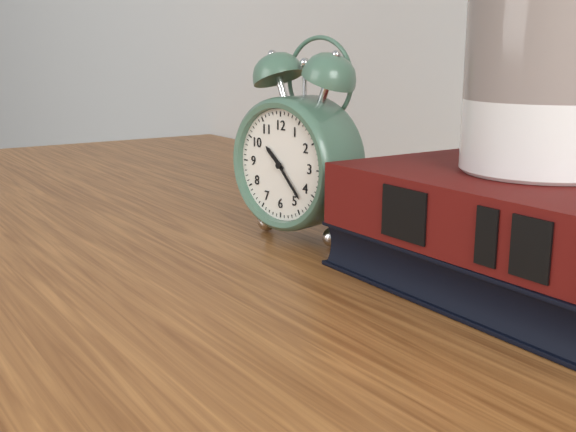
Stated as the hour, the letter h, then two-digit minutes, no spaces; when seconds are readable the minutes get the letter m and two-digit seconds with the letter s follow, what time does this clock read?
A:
10h23
